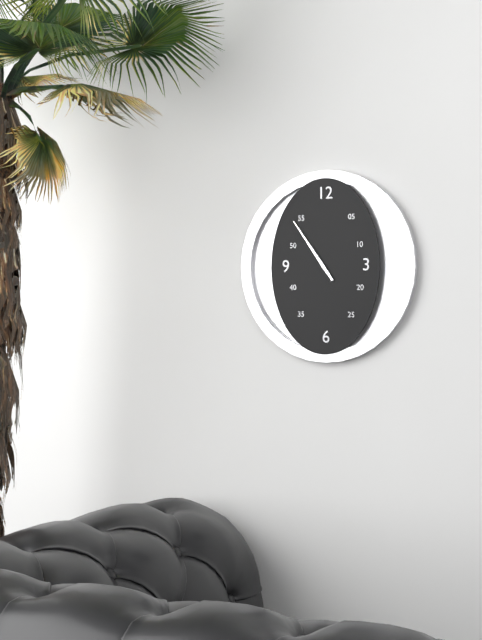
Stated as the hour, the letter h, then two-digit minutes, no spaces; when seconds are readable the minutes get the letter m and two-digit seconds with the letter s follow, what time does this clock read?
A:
10h54
